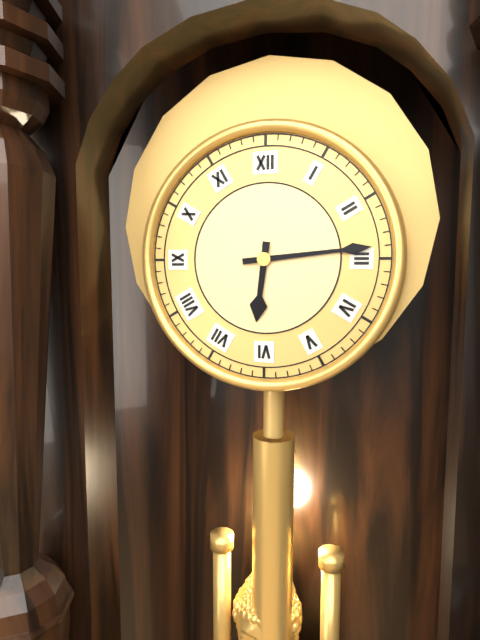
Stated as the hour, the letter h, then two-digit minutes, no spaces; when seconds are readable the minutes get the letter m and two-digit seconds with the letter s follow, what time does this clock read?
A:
6h14
